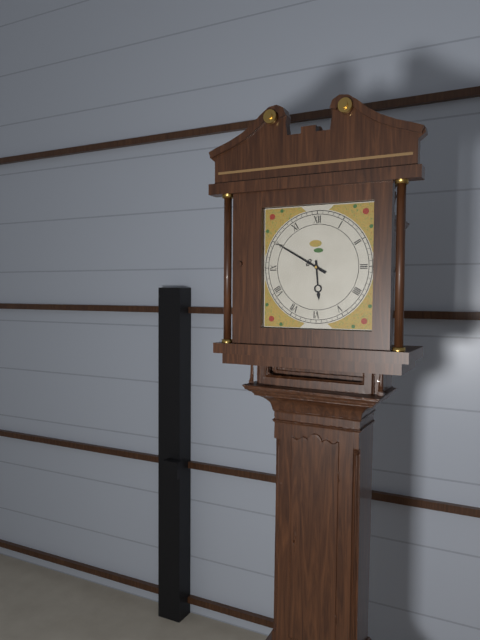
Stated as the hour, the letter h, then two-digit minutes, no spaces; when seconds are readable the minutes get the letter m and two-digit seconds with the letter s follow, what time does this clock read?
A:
5h50
